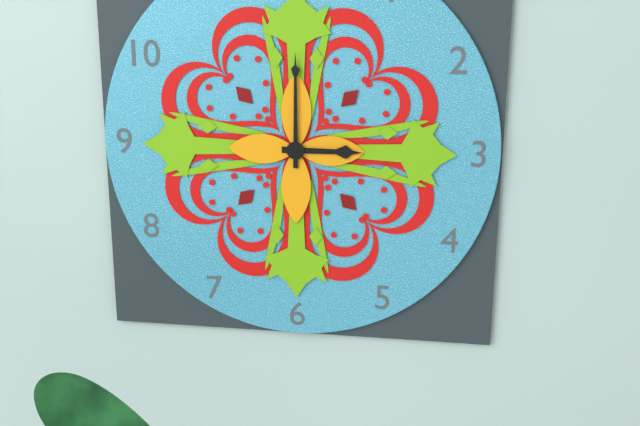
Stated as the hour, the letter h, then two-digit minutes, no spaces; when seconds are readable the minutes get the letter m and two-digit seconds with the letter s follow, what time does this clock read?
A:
3h00
